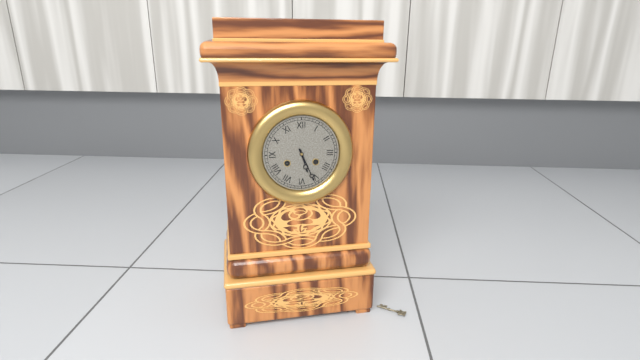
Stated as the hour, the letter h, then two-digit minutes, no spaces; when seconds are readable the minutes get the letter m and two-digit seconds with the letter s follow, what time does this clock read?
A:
5h26
